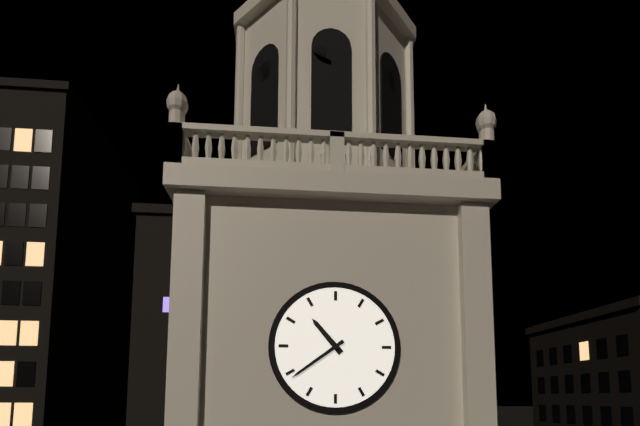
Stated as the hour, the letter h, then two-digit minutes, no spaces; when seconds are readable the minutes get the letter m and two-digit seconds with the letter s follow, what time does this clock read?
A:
10h39
